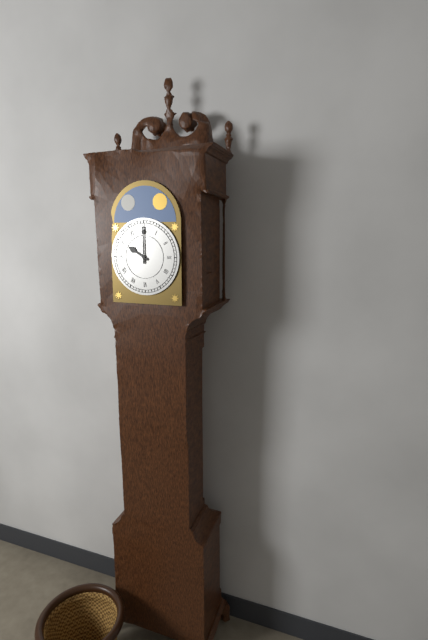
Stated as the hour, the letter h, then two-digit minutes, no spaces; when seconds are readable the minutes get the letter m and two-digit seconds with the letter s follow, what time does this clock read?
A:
10h00
